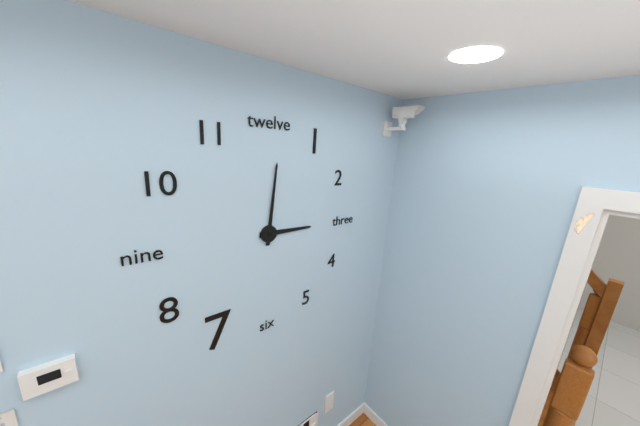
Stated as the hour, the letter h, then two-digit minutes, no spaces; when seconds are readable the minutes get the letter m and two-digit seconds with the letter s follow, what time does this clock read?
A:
3h01
